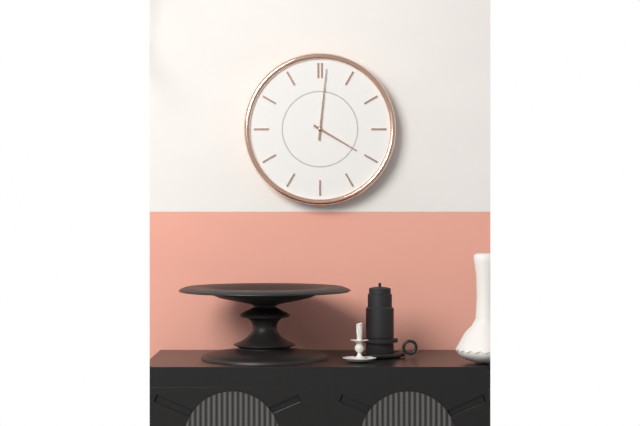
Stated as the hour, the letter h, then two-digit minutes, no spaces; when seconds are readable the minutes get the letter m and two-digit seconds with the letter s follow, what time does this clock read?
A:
4h01
